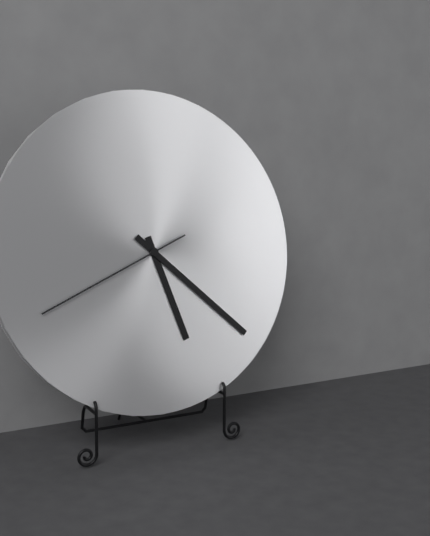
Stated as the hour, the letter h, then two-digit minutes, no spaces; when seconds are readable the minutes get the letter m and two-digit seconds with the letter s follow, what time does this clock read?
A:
5h22m41s
